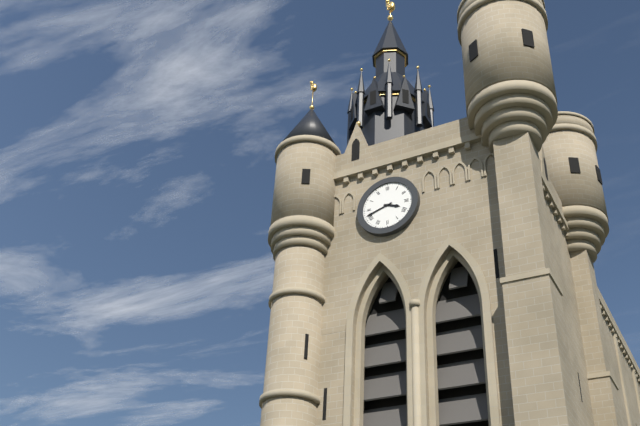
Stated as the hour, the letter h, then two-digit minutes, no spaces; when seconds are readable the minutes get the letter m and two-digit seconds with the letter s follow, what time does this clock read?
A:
3h42
